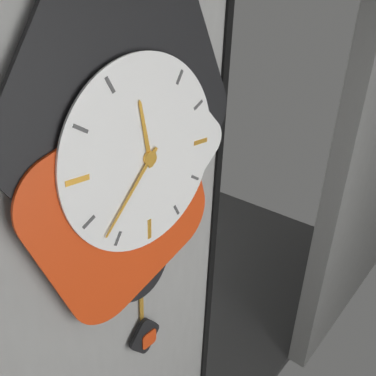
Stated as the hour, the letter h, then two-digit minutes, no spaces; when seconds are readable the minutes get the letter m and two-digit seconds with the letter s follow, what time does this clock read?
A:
11h37
